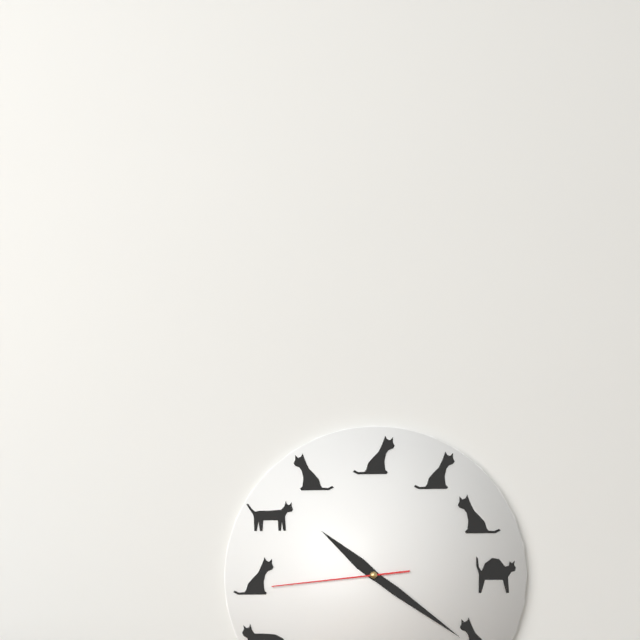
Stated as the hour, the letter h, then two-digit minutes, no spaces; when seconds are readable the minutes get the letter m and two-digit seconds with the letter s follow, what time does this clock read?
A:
10h21m44s
